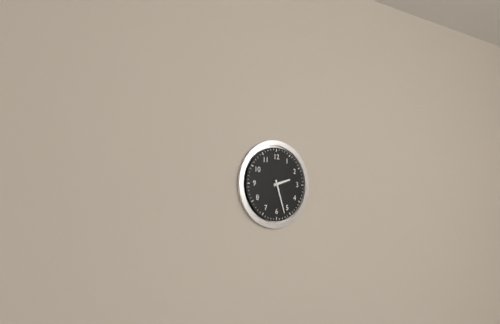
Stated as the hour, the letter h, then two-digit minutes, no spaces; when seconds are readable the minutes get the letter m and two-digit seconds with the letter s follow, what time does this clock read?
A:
2h27
